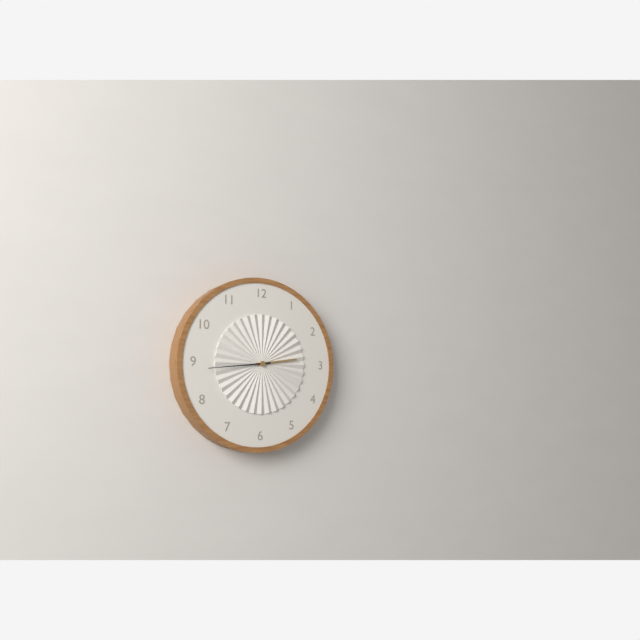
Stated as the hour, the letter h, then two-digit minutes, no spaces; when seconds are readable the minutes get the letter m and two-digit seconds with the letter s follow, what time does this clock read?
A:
2h44
